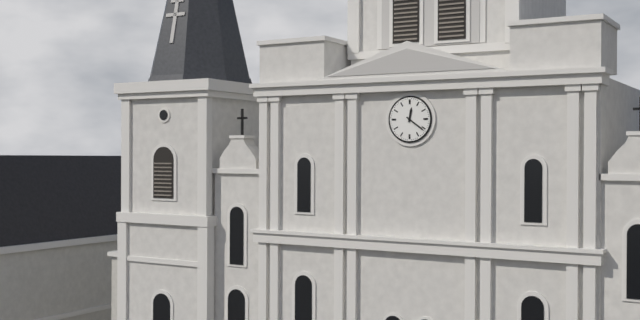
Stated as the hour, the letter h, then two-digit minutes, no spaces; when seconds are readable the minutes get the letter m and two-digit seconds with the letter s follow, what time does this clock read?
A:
12h21
